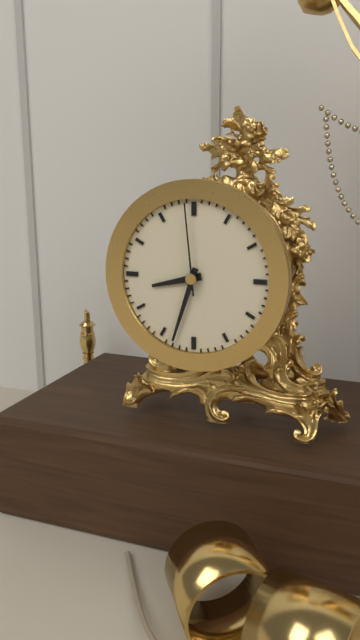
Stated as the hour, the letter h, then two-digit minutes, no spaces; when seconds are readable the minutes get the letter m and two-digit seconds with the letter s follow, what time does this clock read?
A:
8h33m59s
